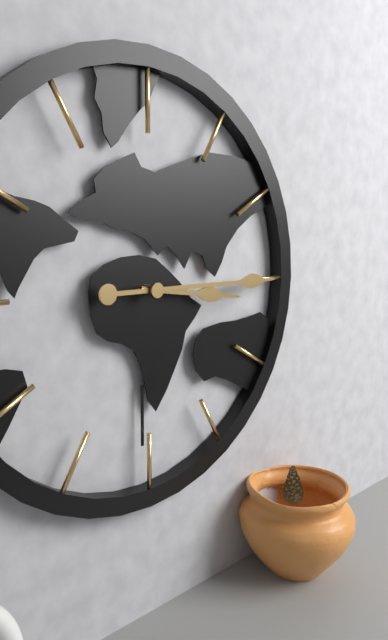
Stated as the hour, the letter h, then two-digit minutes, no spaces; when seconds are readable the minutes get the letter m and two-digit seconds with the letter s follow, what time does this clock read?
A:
3h15
